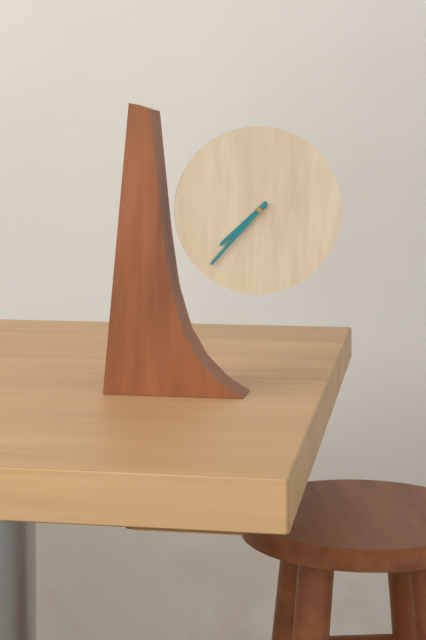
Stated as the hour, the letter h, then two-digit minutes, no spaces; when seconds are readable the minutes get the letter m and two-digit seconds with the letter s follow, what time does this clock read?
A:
7h37
